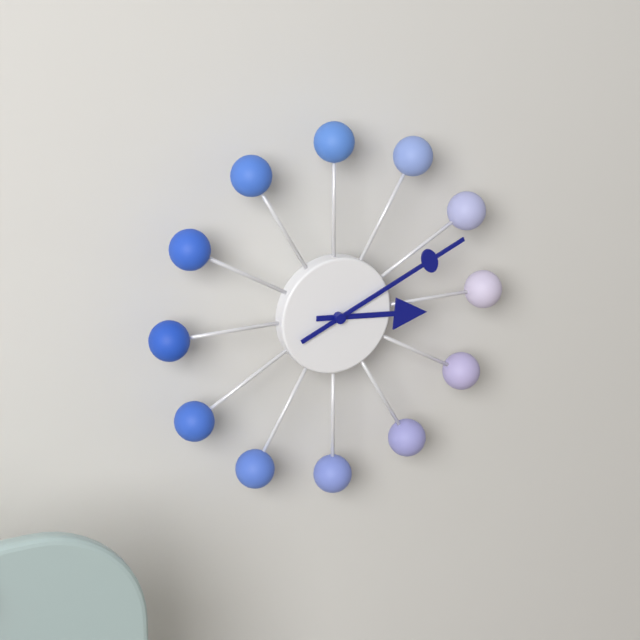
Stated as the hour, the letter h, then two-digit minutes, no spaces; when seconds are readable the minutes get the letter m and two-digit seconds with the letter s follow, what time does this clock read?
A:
3h11
